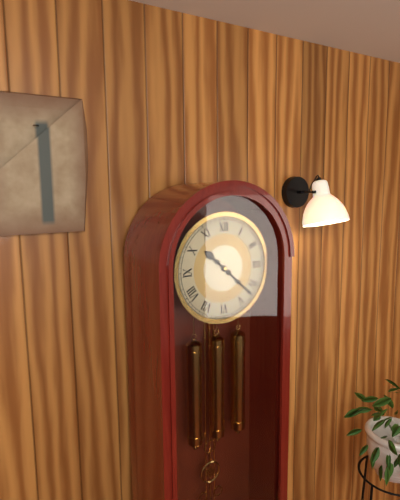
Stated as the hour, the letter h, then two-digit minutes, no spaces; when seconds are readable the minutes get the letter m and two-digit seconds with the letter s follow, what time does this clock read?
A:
10h22
